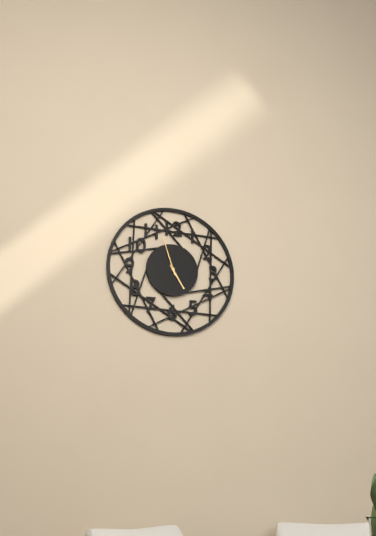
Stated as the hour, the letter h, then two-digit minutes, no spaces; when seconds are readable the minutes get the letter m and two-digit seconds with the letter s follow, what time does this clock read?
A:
4h57
